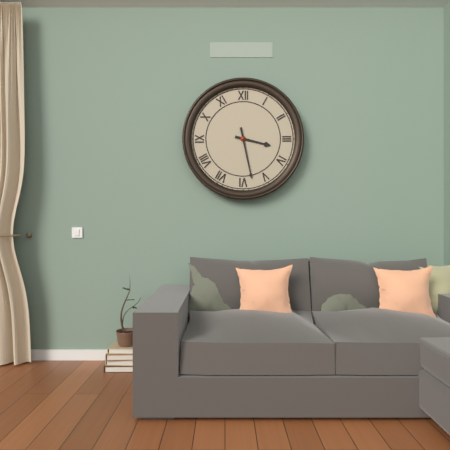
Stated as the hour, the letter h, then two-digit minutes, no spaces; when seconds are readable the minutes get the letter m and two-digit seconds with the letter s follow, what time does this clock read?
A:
3h28
